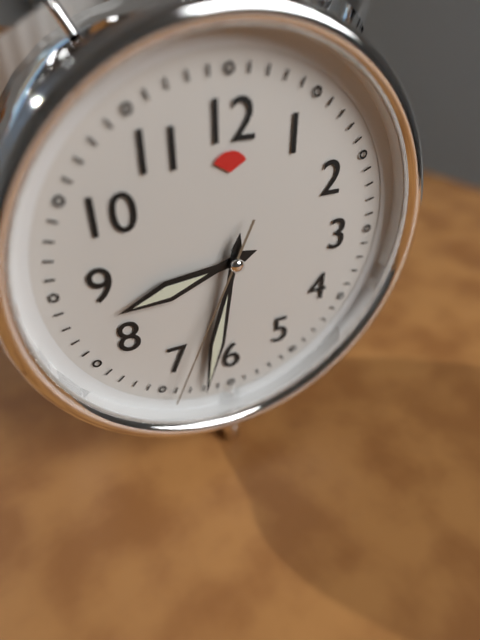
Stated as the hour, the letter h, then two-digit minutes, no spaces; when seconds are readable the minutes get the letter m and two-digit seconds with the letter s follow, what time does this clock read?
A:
8h32m34s
